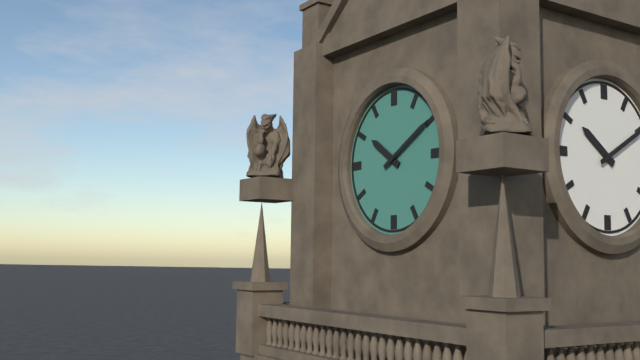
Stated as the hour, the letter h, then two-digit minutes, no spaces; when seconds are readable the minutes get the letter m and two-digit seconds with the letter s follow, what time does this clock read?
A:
10h10
